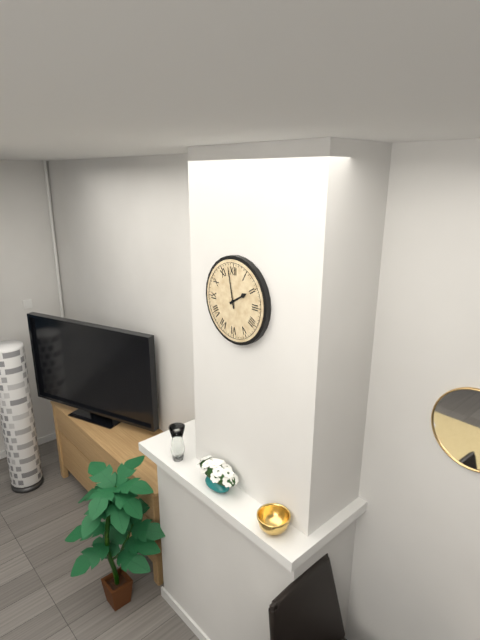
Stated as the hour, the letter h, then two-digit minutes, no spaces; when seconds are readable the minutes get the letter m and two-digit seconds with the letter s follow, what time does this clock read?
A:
1h58
